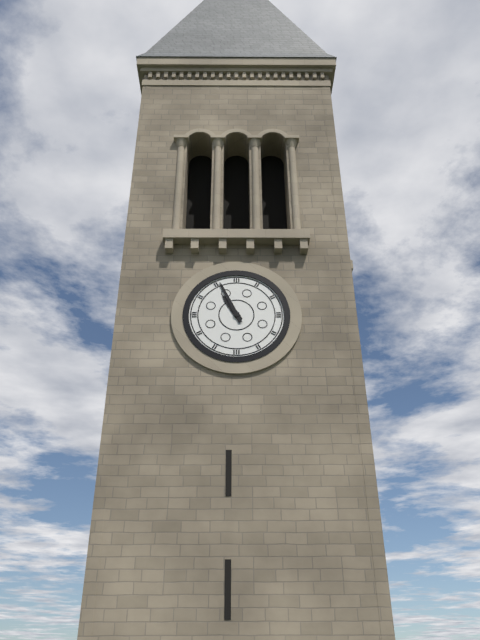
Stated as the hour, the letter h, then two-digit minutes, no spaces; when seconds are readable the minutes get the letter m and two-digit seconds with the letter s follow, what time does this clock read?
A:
10h56
